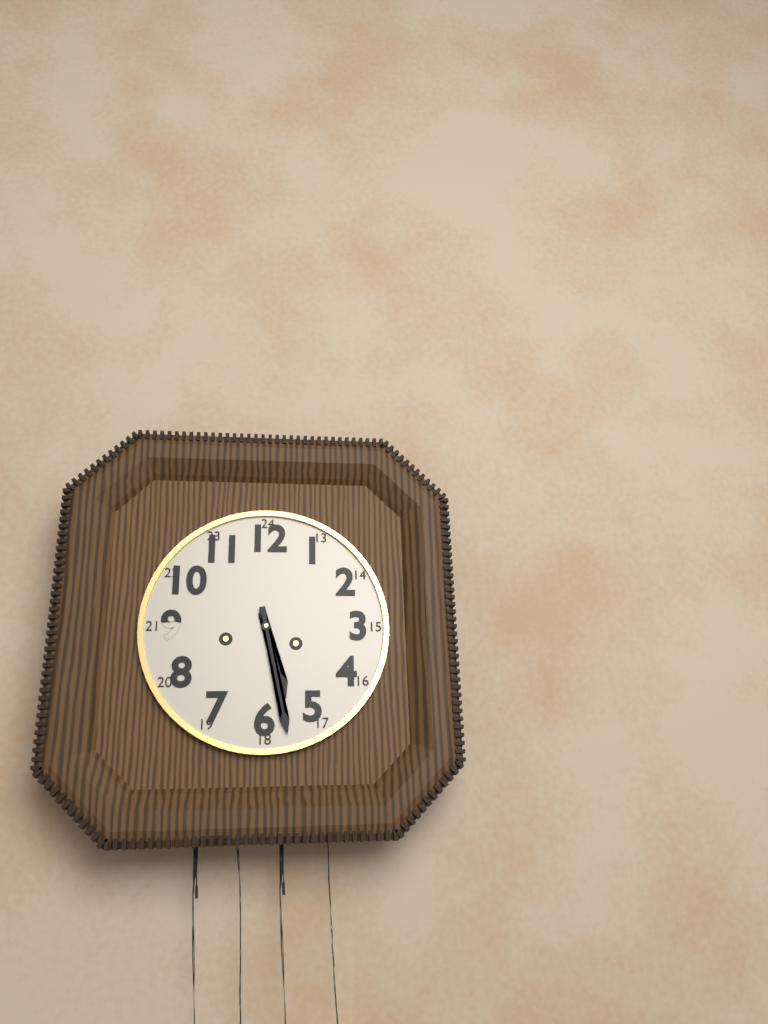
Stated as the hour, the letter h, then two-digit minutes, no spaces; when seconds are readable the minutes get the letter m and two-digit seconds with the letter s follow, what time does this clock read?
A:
5h28
